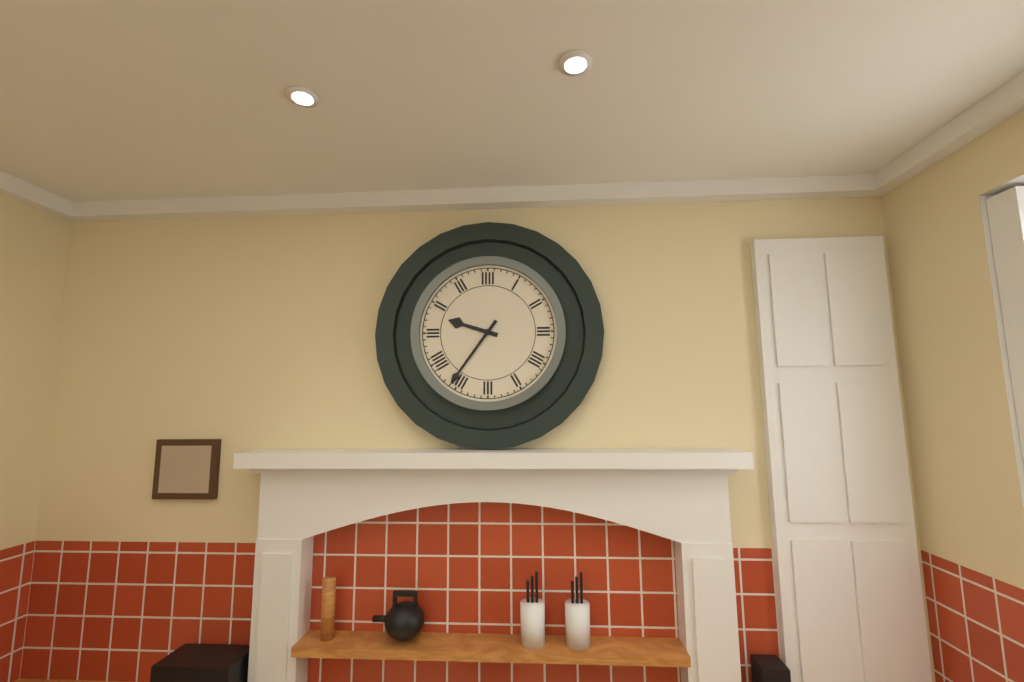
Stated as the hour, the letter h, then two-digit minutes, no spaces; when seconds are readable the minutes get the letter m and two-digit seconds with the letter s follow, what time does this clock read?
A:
9h36
